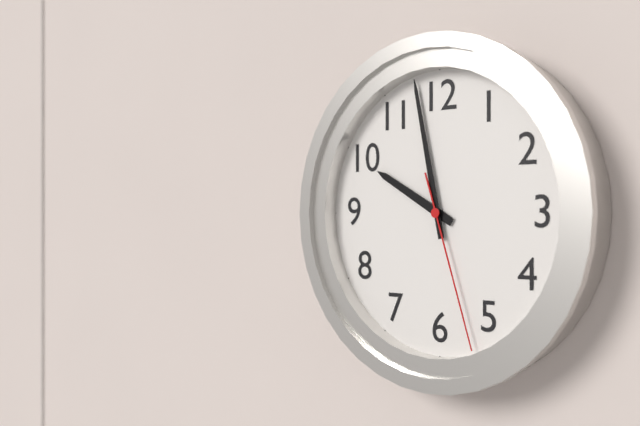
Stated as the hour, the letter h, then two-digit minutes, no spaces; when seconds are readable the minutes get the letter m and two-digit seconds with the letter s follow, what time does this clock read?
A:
9h58m27s
